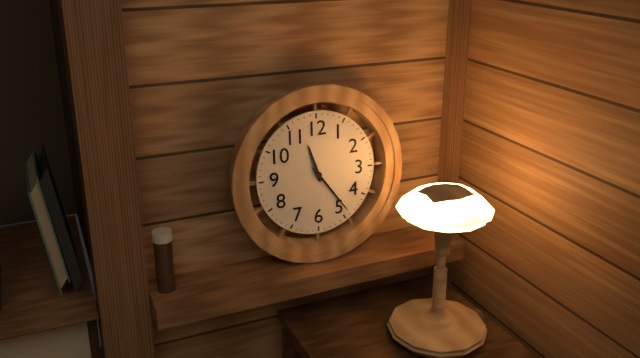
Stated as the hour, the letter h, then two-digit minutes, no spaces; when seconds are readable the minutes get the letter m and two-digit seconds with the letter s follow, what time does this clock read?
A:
11h24
